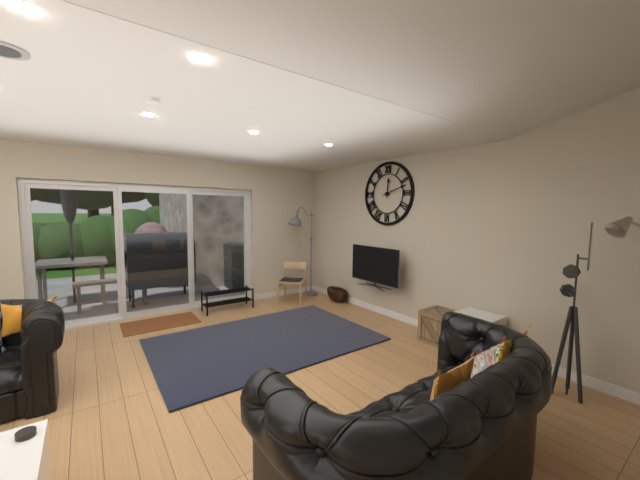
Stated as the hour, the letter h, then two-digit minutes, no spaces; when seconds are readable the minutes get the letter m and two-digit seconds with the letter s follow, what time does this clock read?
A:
12h12
